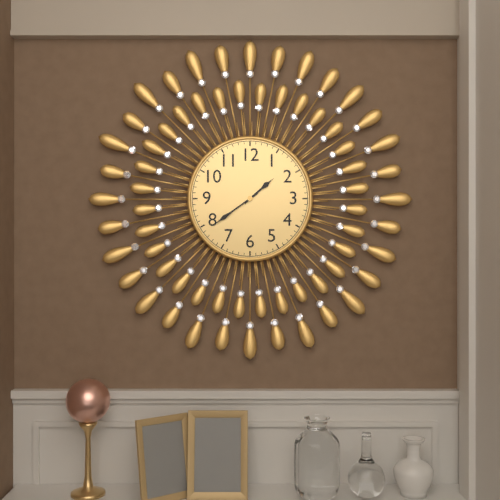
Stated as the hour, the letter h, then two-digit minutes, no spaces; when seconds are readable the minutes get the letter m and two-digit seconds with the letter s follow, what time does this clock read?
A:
1h39
